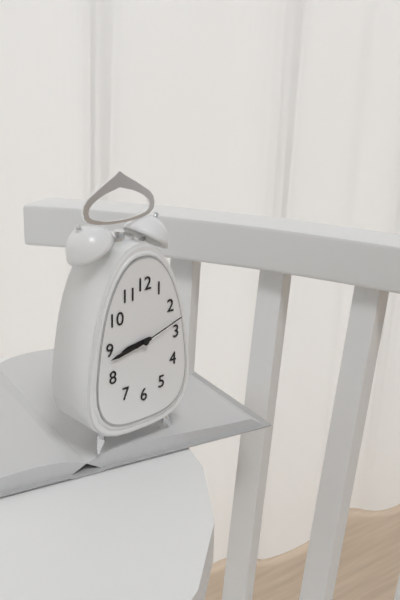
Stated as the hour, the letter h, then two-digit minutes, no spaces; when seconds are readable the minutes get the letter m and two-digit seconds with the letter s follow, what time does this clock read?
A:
8h43m12s
